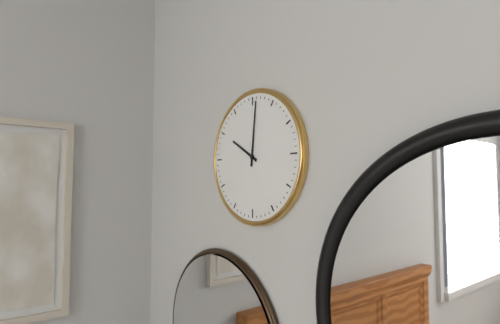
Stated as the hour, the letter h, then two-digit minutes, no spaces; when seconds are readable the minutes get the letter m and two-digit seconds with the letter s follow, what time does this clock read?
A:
10h01
